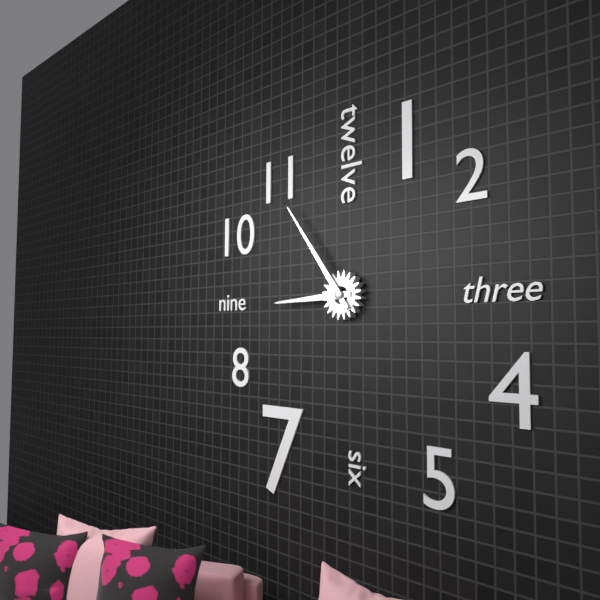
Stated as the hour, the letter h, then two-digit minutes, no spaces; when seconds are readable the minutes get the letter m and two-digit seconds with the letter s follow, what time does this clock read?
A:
8h54
